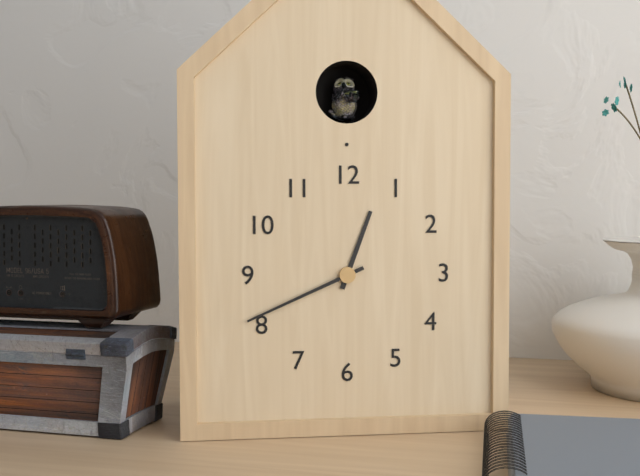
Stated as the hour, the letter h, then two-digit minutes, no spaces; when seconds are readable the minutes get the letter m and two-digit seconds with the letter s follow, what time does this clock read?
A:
12h41
